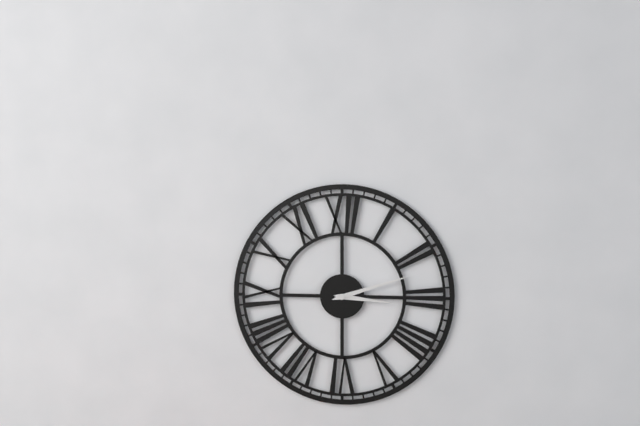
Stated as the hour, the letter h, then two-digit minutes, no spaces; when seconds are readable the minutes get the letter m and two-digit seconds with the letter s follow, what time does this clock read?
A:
3h12
